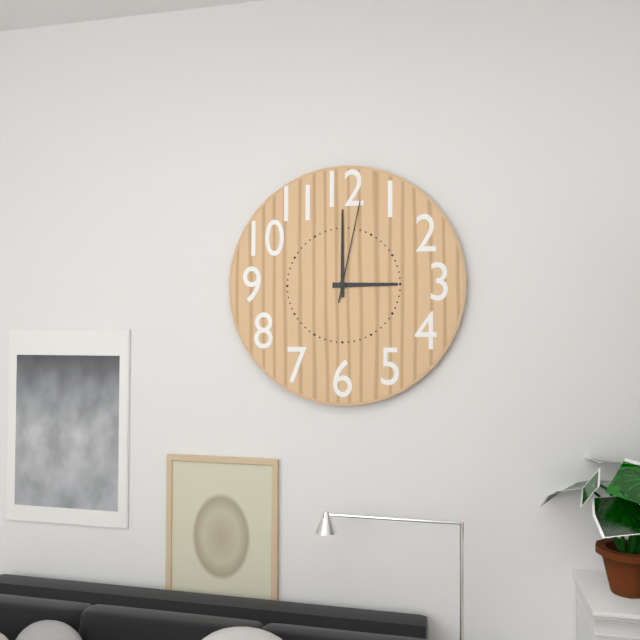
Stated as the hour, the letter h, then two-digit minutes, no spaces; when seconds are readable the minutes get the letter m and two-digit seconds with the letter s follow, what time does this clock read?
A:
3h00m02s
